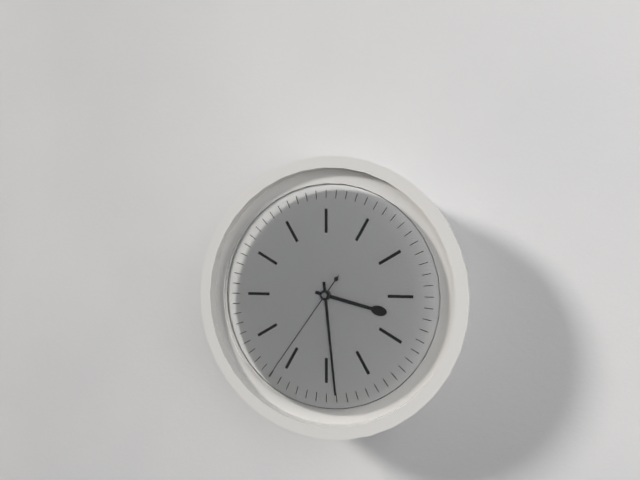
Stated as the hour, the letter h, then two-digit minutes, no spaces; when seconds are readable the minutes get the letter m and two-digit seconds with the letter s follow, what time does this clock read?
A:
3h29m36s
